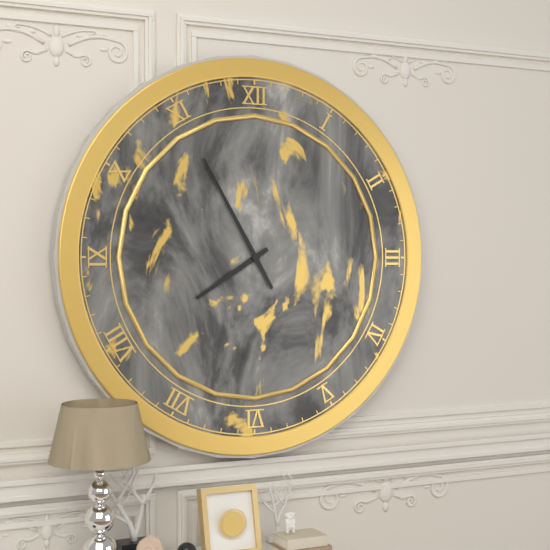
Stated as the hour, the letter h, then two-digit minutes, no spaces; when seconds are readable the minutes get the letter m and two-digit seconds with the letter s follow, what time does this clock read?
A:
7h55
